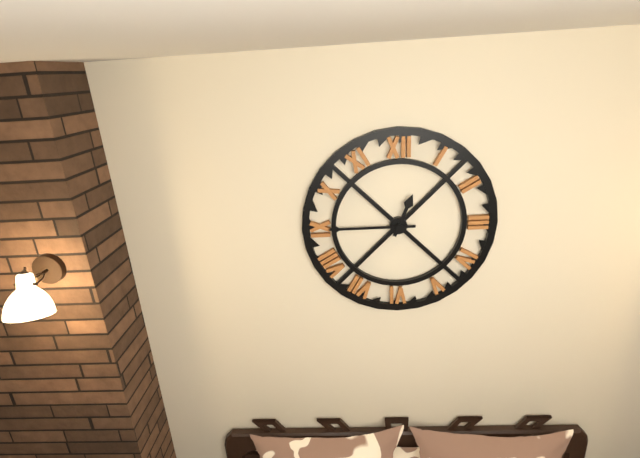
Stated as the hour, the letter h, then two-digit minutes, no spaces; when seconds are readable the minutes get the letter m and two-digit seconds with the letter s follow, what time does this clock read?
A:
12h45
